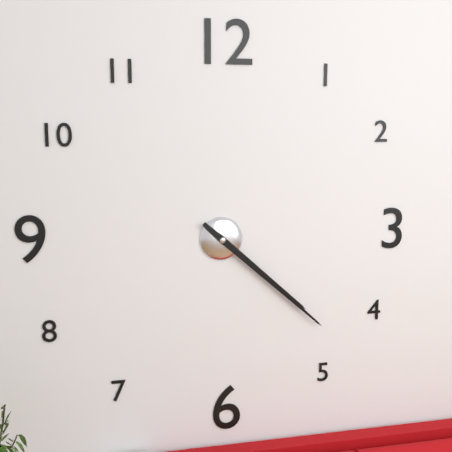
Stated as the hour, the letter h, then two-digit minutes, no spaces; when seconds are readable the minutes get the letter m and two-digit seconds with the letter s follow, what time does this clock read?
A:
4h22
